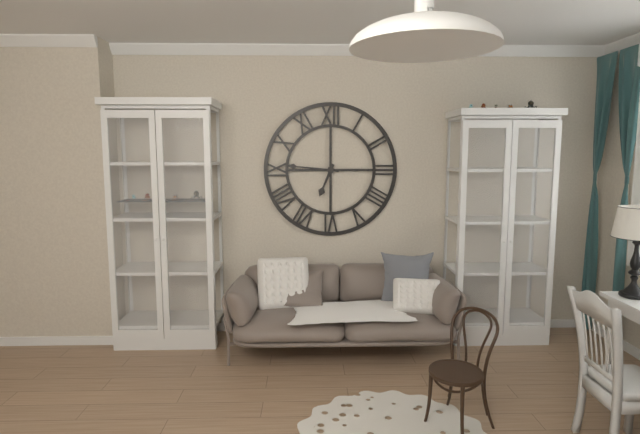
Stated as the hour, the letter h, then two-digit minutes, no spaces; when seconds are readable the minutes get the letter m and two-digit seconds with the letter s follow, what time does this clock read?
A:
6h46
